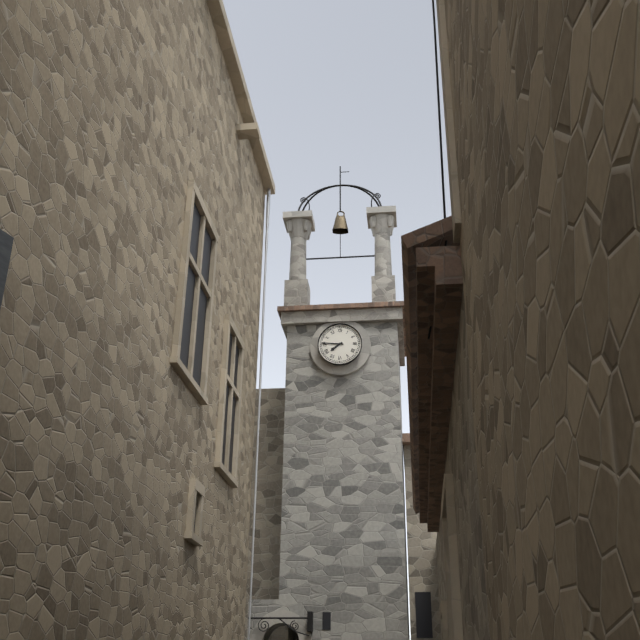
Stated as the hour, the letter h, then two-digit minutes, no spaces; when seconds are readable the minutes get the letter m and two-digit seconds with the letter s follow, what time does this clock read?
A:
7h46
